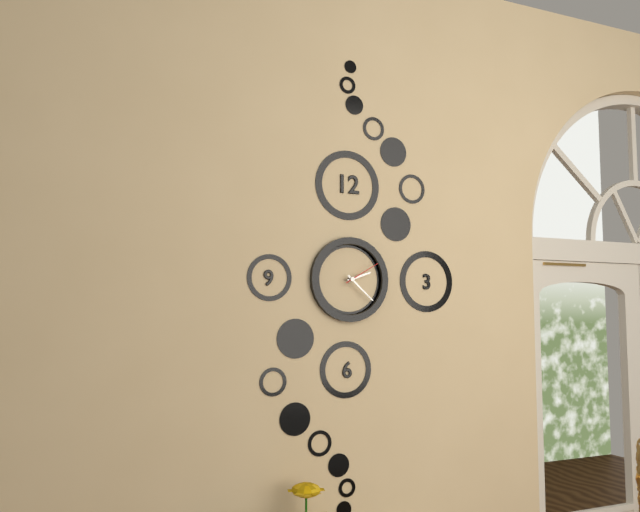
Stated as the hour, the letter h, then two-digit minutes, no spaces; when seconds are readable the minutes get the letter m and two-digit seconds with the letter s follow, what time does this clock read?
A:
2h22
